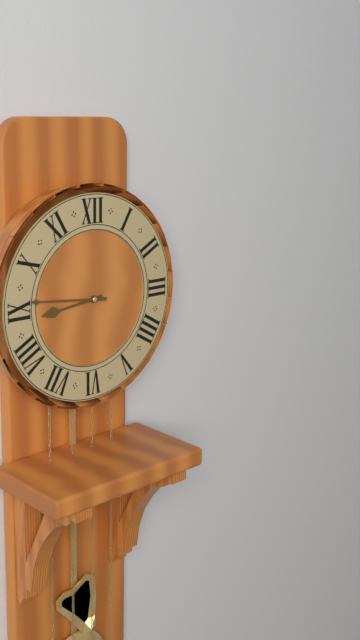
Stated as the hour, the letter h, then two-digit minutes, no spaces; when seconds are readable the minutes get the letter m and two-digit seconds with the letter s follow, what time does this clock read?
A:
8h46
